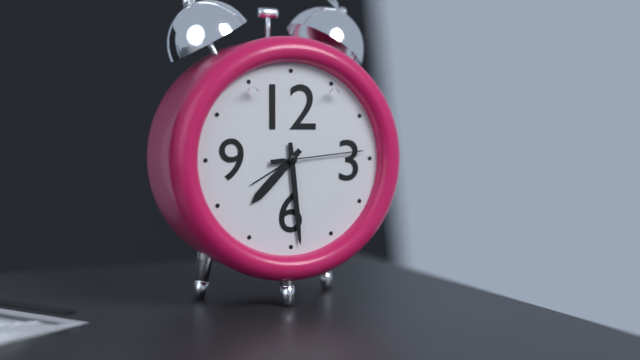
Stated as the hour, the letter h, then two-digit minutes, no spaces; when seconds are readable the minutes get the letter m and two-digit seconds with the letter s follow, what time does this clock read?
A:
7h29m14s
